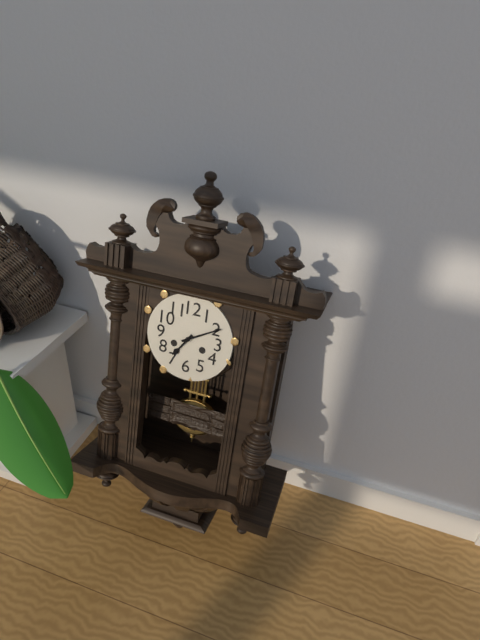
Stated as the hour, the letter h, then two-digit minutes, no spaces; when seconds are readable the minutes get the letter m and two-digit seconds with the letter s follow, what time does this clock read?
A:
7h10
